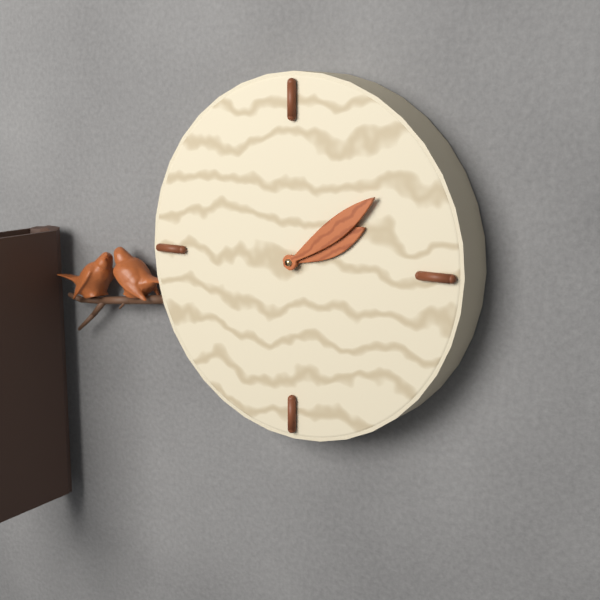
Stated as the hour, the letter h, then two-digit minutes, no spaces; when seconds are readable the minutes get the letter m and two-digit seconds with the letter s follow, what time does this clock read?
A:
2h09
